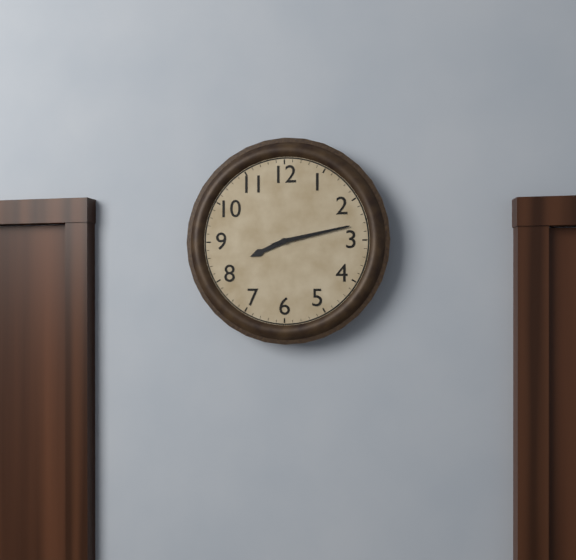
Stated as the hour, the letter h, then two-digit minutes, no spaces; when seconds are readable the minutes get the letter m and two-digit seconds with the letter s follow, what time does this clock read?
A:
8h13
